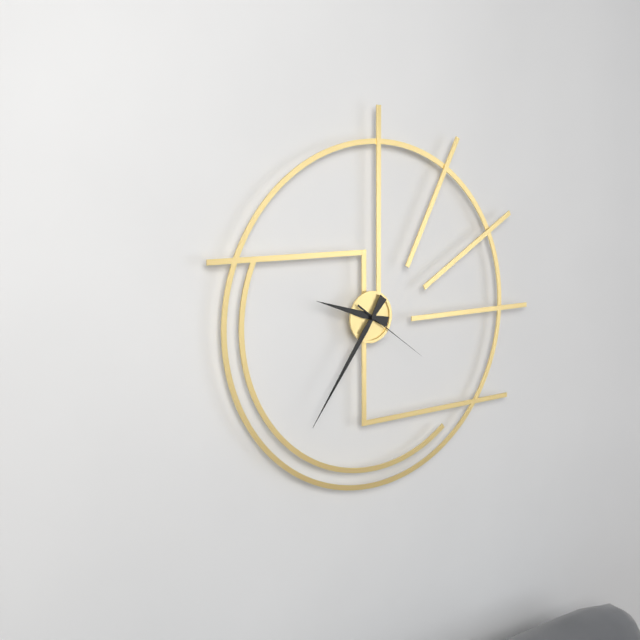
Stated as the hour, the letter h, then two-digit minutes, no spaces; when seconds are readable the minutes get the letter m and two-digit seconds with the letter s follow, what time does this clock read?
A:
9h36m21s
